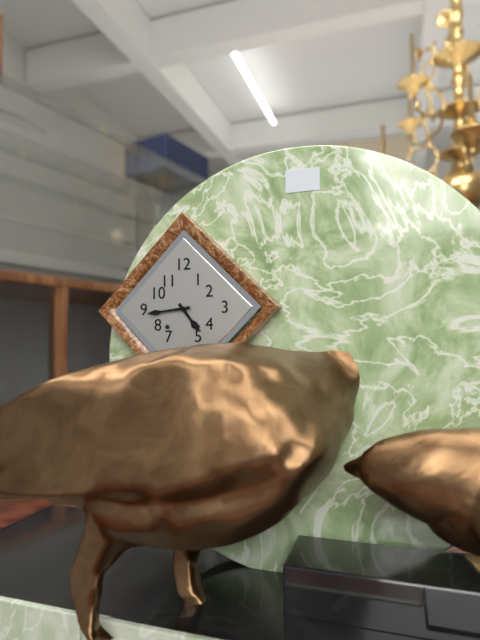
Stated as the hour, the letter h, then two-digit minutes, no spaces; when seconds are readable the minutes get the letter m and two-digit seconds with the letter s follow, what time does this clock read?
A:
4h44
